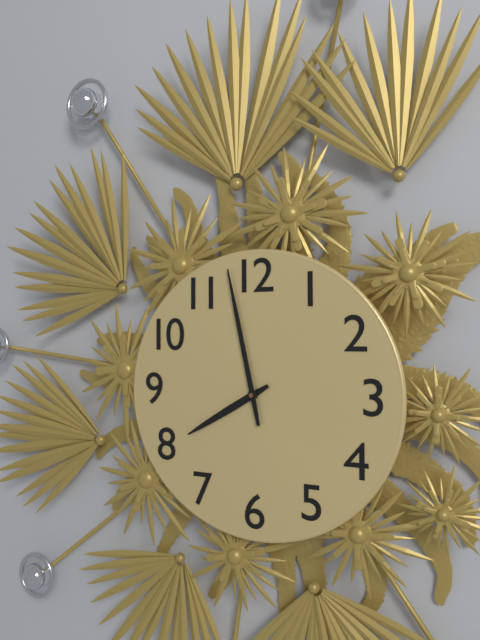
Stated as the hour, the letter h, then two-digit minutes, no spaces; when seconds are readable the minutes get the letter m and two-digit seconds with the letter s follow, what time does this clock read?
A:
7h58
